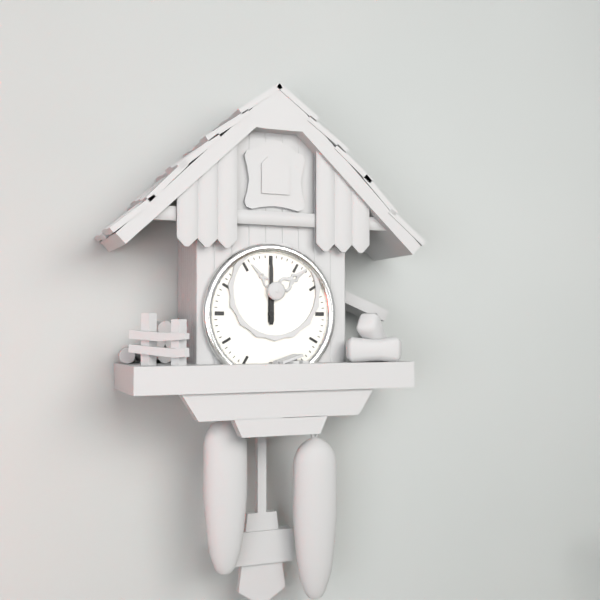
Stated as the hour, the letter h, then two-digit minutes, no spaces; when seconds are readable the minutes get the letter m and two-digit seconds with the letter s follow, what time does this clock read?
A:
12h00
